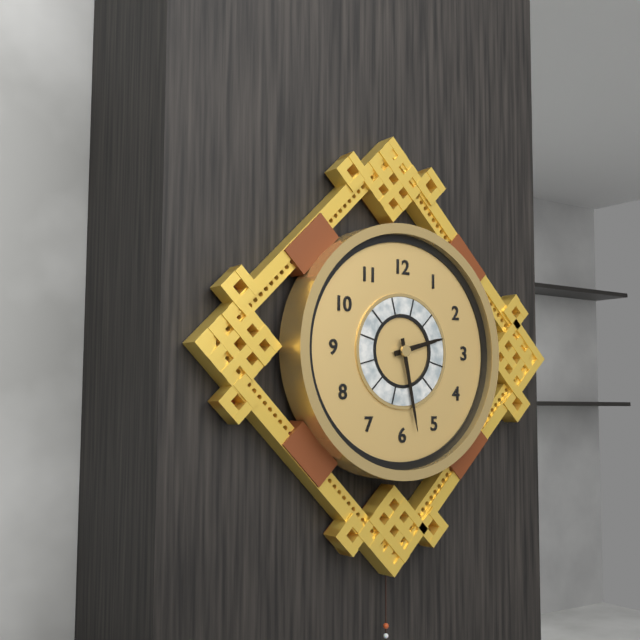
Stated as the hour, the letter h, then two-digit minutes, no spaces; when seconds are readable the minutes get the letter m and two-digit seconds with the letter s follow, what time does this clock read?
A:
2h28
